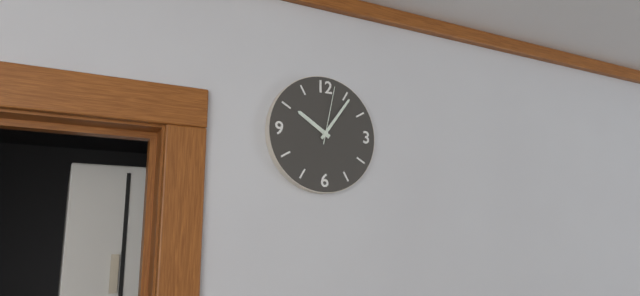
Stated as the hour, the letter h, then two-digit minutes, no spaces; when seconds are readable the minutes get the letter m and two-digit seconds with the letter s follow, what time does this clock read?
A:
10h06m02s
